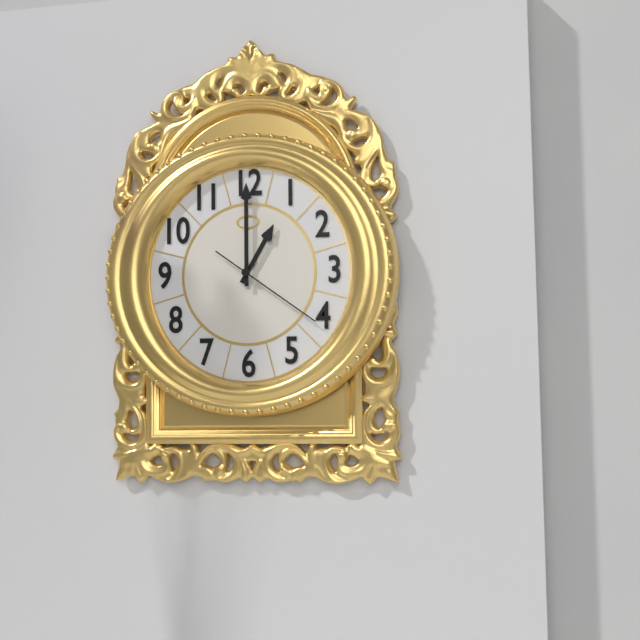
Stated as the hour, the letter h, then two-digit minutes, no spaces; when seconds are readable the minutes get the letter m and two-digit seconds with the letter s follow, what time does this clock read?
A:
1h00m21s
